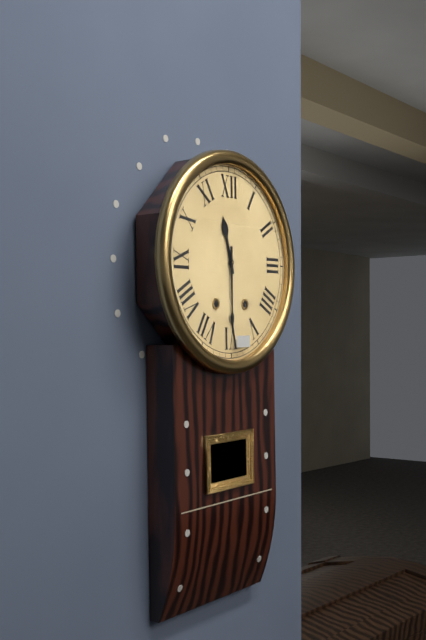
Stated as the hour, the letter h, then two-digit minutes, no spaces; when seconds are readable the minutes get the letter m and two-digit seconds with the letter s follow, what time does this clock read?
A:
11h30
